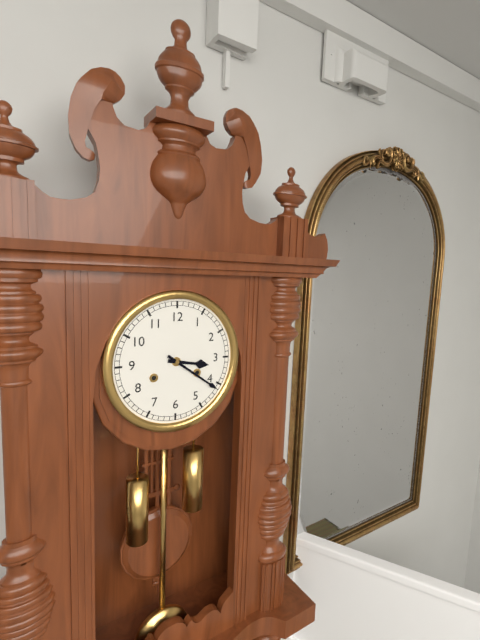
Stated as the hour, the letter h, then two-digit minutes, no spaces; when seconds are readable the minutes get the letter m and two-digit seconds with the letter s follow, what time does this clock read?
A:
3h21
